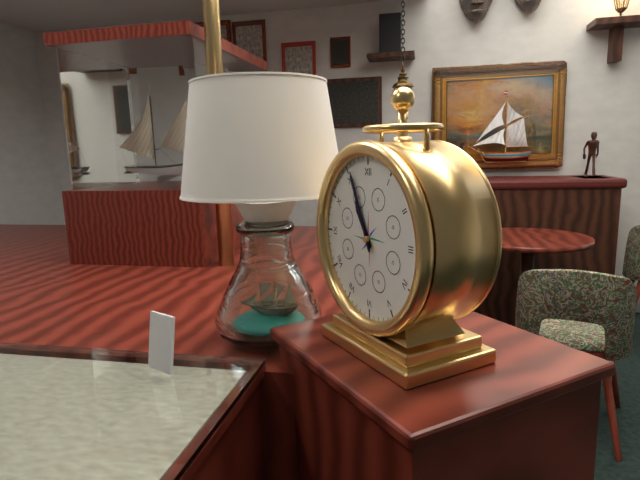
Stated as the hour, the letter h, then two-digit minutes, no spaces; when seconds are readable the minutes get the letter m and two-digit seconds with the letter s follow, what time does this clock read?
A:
10h56
